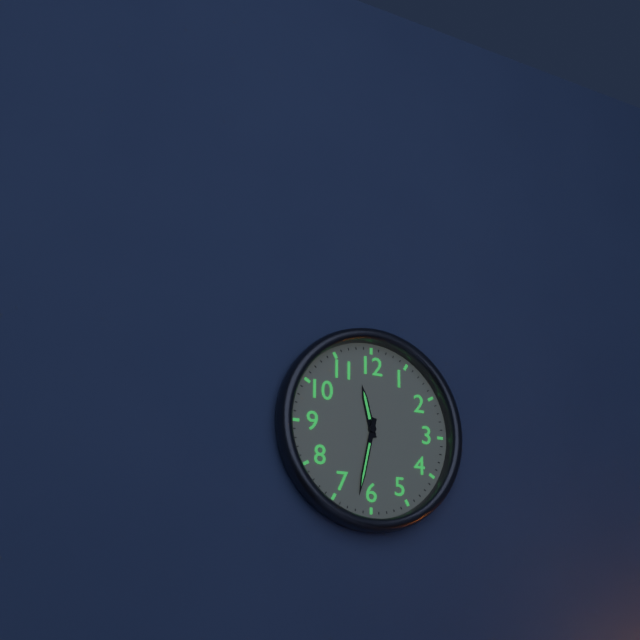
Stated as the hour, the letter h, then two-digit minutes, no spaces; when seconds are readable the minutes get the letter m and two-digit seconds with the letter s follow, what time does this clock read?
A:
11h32
